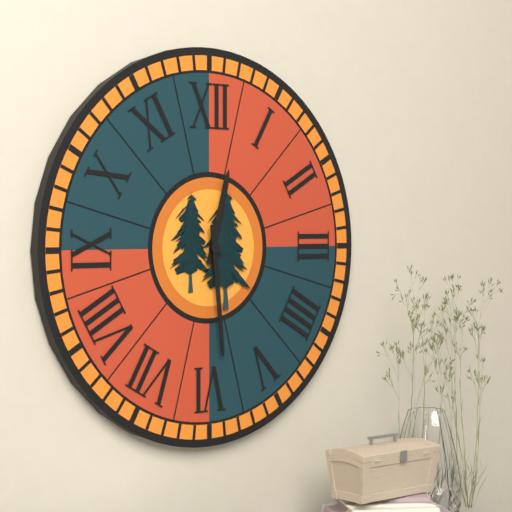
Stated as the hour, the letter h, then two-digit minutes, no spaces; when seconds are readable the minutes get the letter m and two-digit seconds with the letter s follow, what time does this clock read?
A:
12h29
